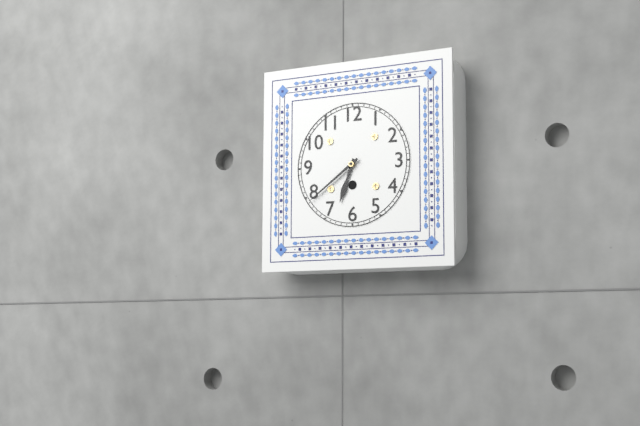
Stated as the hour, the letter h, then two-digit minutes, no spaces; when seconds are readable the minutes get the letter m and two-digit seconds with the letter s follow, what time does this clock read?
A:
6h39
